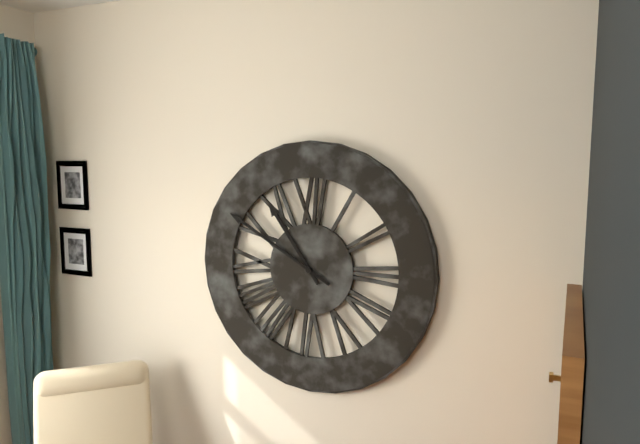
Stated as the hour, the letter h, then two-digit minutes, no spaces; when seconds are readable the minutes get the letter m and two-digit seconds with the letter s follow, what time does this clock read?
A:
10h50
